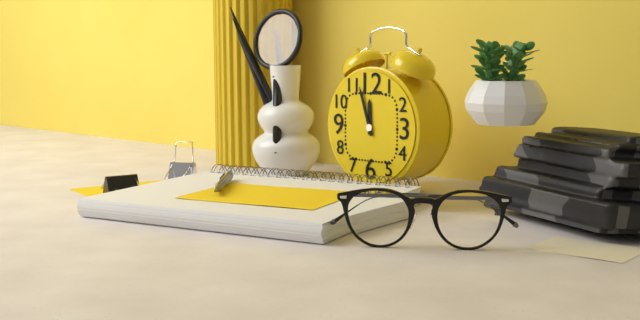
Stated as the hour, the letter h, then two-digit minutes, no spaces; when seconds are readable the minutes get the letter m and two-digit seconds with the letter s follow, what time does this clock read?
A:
11h57
